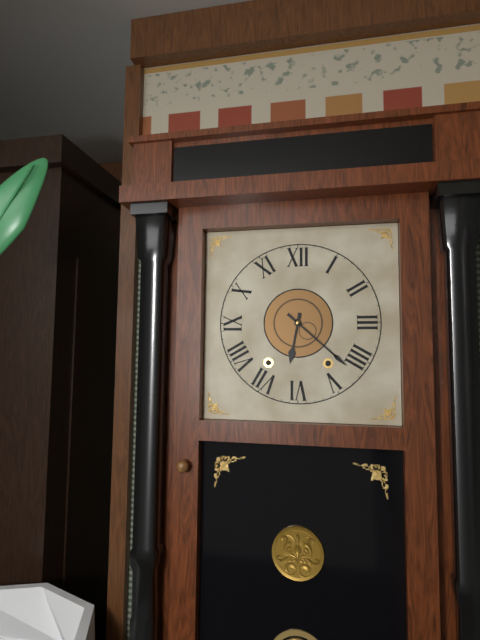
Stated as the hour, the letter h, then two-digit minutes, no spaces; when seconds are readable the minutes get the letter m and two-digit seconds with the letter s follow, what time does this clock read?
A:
6h22
